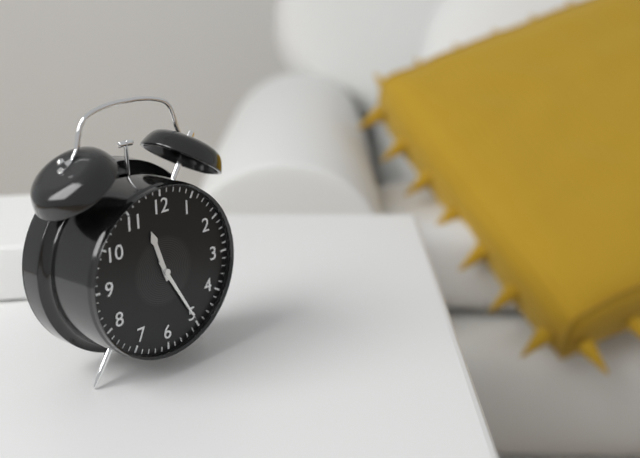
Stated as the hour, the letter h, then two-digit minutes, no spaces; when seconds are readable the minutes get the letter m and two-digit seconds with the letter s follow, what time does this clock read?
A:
11h25
